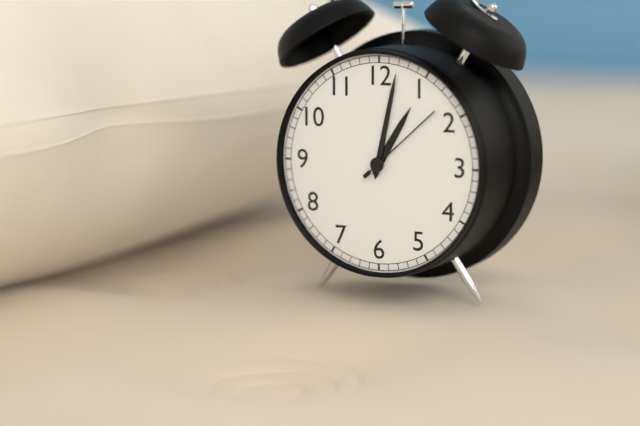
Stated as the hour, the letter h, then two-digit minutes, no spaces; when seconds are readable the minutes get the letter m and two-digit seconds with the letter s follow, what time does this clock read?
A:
1h02m08s
